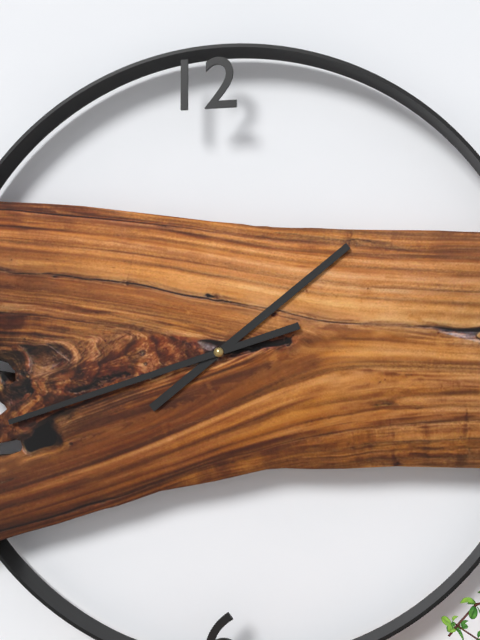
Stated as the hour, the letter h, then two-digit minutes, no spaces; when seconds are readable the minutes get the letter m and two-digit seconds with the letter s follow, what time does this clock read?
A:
1h42
